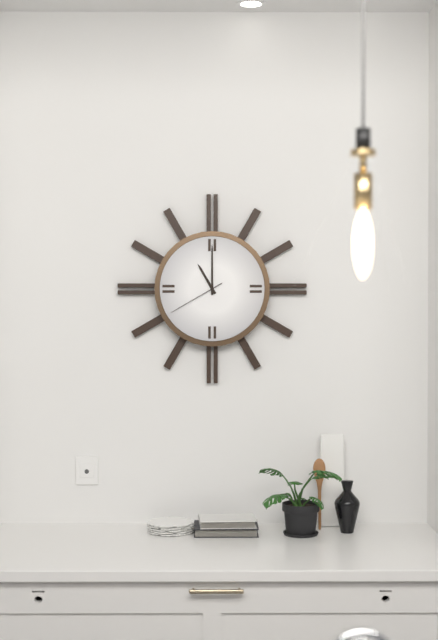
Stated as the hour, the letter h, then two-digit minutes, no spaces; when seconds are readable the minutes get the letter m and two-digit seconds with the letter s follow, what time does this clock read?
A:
11h00m40s
